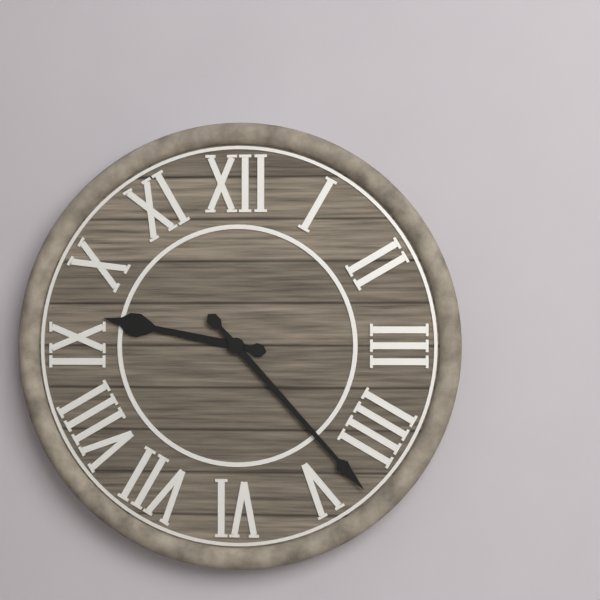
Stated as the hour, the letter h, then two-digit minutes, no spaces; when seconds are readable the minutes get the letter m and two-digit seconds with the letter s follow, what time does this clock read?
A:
9h23
